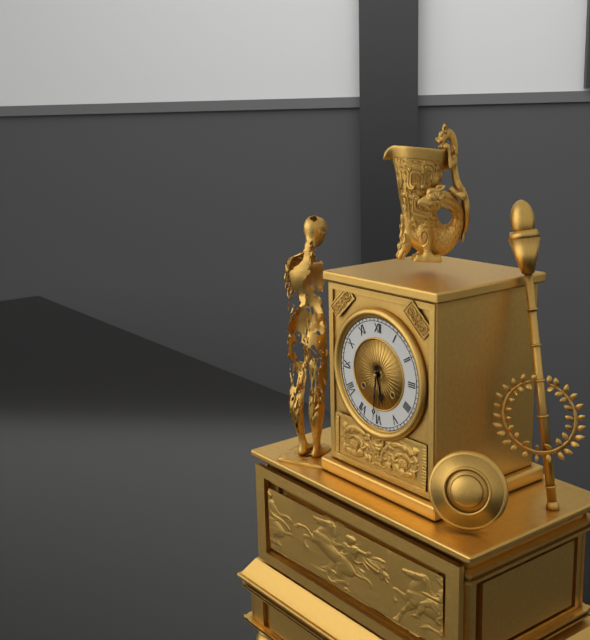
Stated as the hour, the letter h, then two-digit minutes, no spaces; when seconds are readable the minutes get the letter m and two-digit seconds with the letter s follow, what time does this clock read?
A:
5h31
